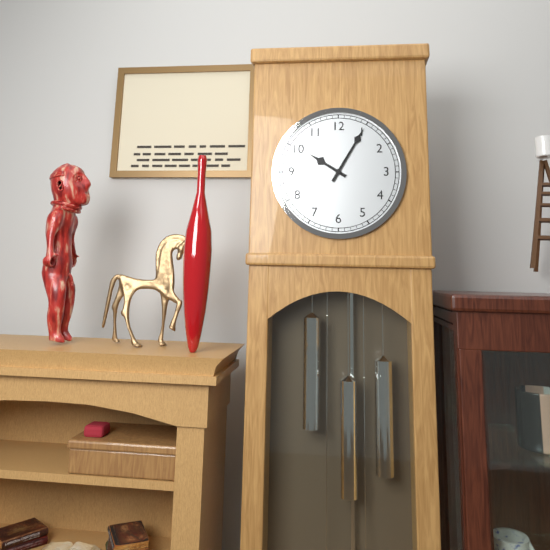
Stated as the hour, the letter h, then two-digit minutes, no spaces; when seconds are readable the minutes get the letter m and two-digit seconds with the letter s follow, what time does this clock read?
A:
10h05
